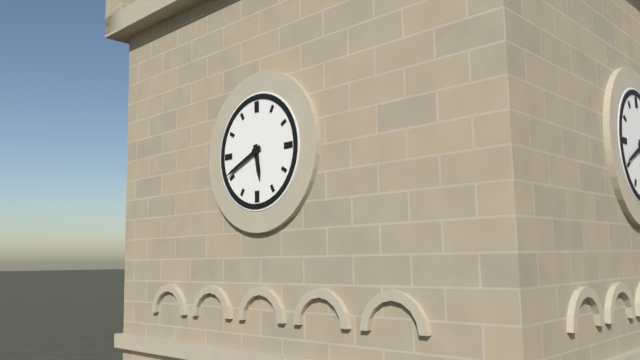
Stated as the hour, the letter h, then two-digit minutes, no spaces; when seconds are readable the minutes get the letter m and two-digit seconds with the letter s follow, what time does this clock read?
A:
5h41
